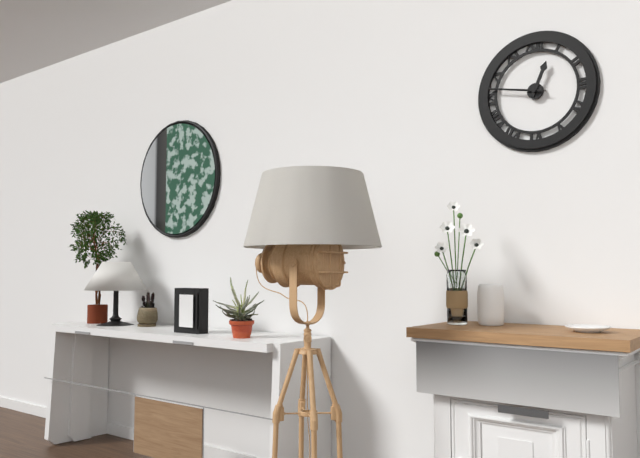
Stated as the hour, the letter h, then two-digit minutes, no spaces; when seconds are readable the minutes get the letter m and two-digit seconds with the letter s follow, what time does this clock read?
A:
12h47m47s
